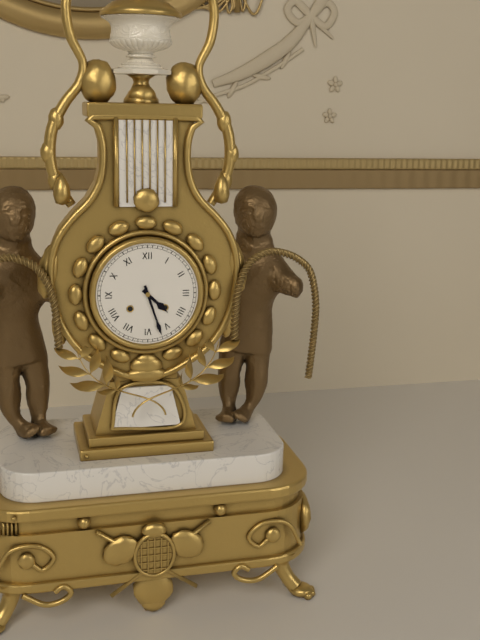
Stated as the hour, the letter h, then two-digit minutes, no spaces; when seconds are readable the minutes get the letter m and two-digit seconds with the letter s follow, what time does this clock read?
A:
4h27
